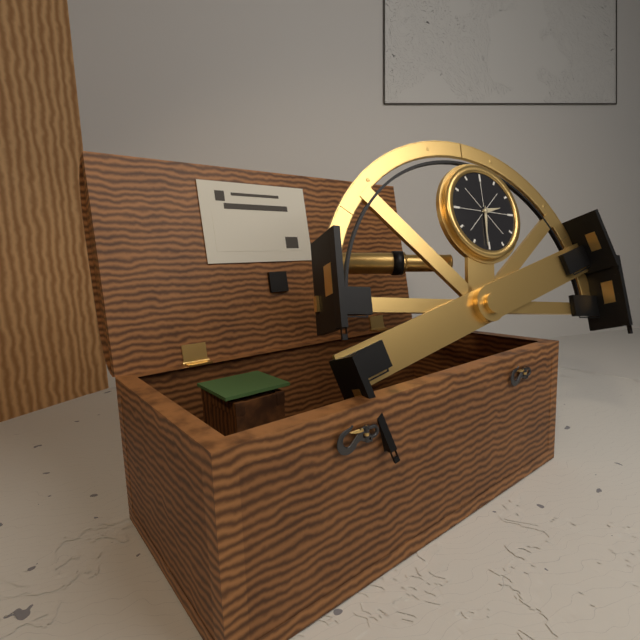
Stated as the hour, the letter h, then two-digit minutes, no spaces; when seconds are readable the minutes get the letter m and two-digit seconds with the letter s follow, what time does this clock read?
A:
2h31
